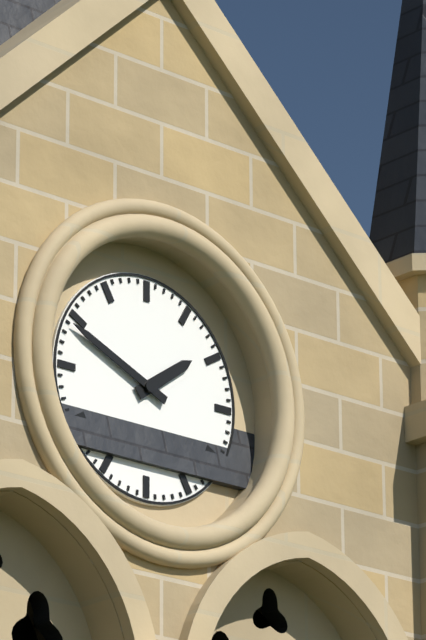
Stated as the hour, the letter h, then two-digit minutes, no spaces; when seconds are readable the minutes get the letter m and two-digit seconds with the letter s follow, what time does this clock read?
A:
1h49
